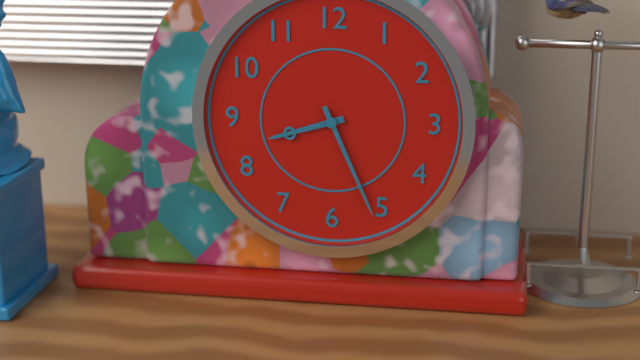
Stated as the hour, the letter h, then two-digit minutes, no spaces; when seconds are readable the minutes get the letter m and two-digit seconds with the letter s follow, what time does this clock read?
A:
8h26
